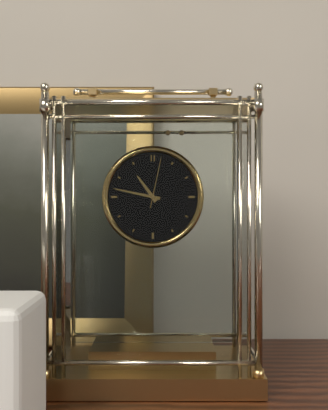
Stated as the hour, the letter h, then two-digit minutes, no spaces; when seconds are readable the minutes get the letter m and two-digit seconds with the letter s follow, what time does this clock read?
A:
10h47m02s
